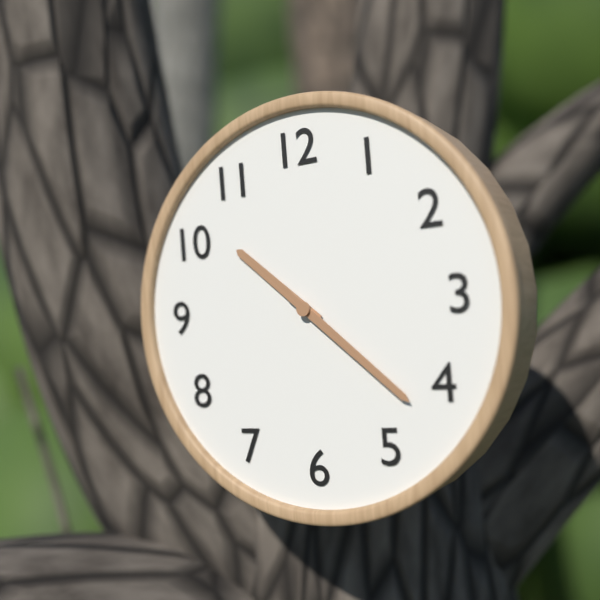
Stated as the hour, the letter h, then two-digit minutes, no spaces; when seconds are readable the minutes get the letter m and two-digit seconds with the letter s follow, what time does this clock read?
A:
10h22
